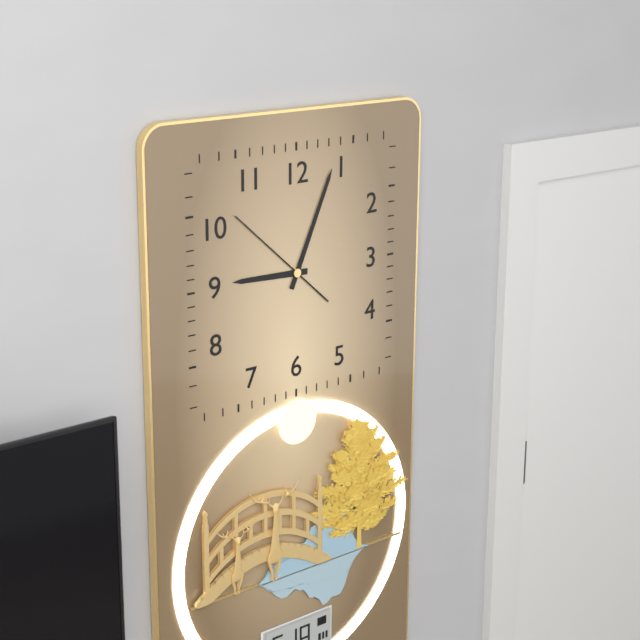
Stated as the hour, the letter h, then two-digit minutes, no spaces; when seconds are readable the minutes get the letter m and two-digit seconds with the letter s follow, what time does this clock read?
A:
9h04m52s
